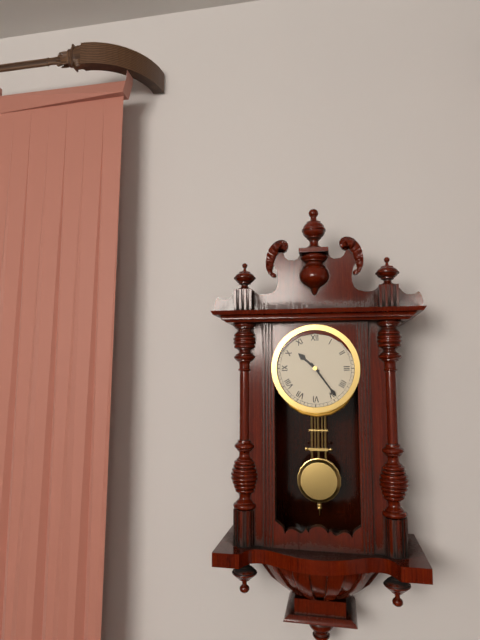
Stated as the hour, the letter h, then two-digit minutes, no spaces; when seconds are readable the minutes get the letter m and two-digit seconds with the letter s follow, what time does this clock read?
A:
10h24
